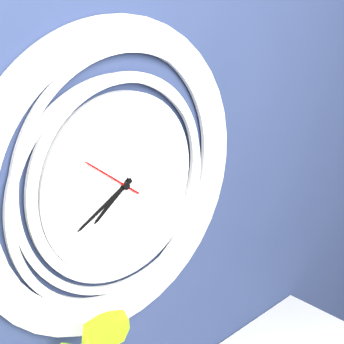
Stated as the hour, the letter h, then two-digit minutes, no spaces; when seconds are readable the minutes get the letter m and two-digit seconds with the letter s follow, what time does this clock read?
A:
7h40m51s
